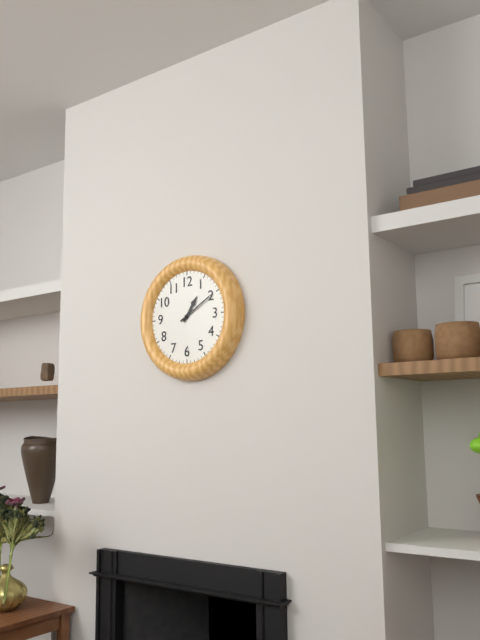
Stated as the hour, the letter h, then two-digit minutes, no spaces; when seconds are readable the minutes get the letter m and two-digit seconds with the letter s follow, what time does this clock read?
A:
1h10
